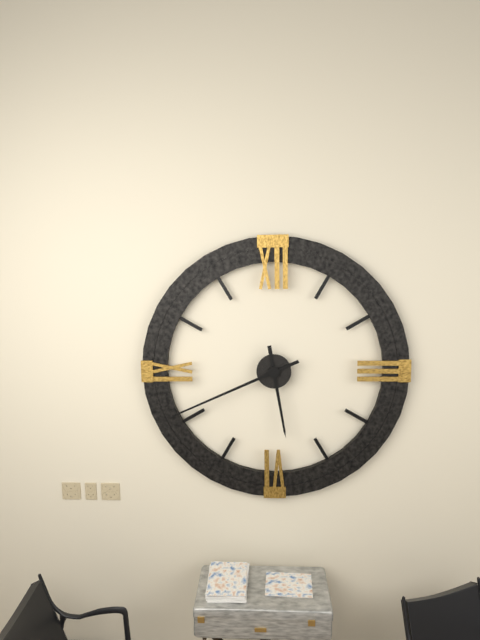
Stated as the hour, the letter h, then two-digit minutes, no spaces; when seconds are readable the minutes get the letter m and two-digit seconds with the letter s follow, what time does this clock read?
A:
5h41
